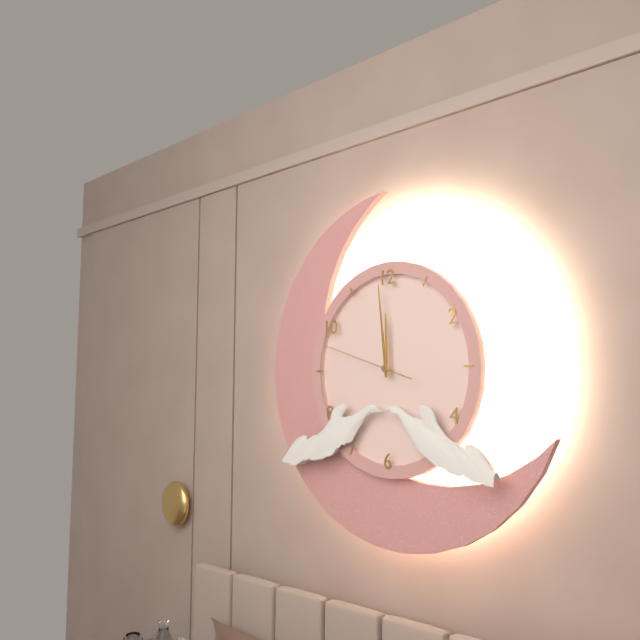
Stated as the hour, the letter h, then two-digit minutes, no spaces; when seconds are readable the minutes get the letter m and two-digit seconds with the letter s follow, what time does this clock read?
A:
11h59m48s
